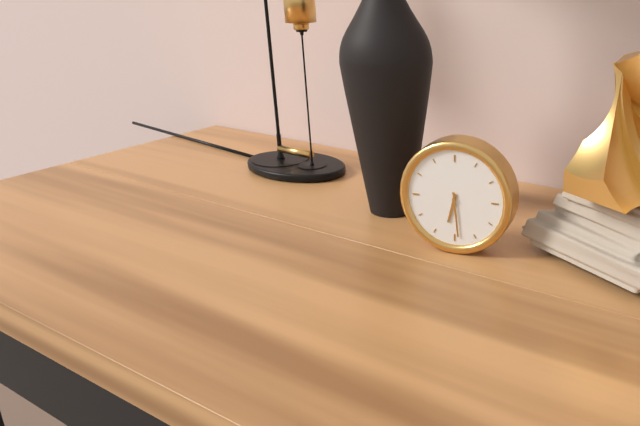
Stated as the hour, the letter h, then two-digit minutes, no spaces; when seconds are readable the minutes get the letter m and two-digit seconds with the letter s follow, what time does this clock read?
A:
6h29
